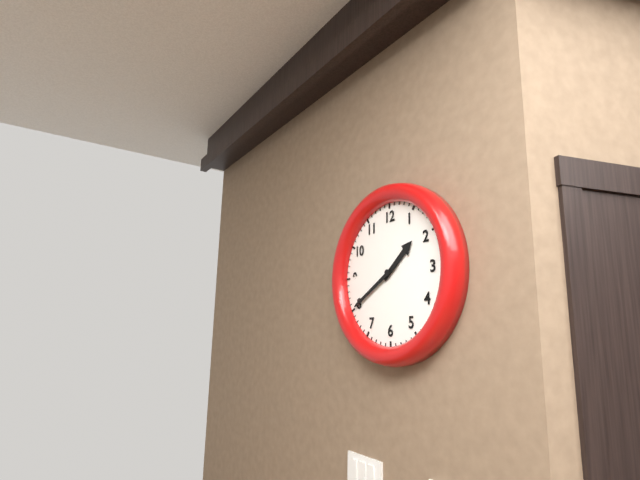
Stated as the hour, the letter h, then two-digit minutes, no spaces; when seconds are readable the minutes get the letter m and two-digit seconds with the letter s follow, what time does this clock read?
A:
1h40
